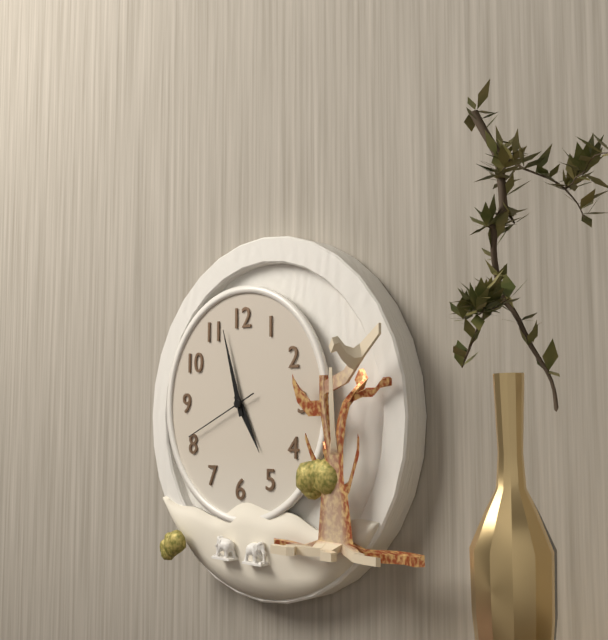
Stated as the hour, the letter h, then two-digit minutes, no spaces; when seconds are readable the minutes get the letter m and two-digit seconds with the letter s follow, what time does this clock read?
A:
4h57m41s
